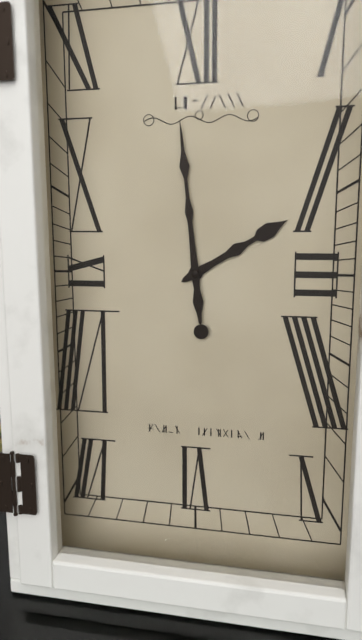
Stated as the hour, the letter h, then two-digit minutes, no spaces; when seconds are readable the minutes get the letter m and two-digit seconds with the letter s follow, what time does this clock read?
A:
1h59
